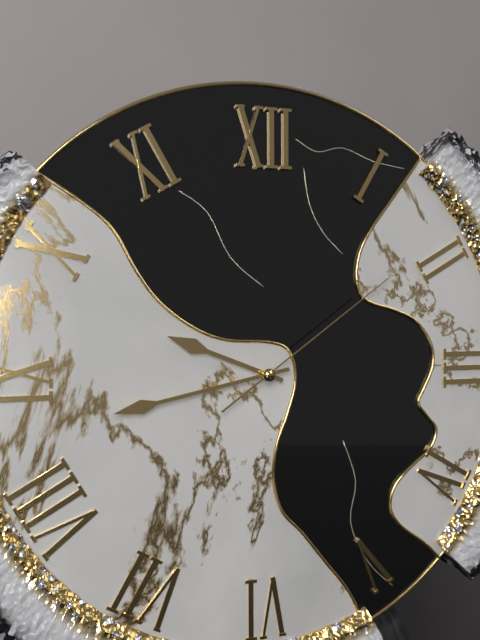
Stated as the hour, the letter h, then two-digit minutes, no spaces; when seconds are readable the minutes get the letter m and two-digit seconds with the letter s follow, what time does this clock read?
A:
9h43m09s
